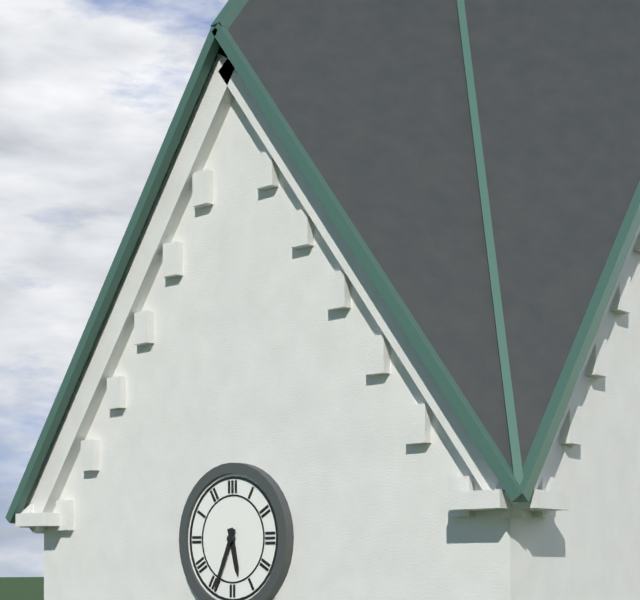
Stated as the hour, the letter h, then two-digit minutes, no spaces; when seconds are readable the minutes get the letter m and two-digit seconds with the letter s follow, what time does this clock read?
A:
5h34
